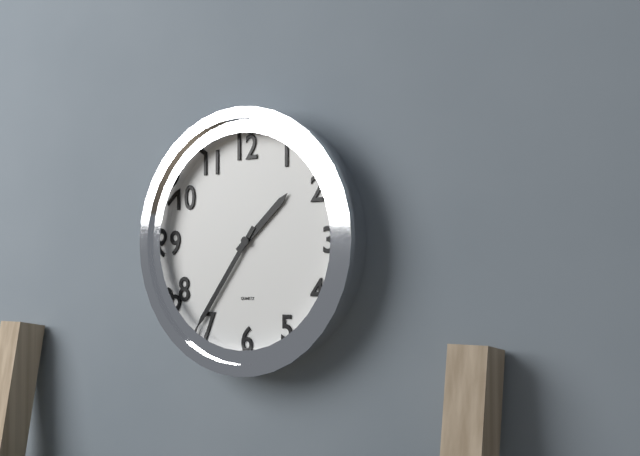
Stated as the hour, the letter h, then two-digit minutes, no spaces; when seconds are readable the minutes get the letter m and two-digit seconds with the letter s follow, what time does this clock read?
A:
1h36
